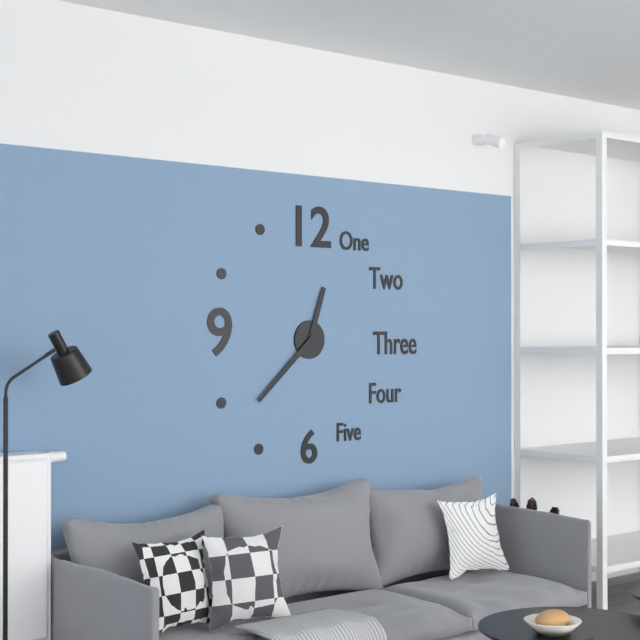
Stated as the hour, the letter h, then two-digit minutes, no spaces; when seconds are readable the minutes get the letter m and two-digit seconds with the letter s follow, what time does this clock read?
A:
12h38
